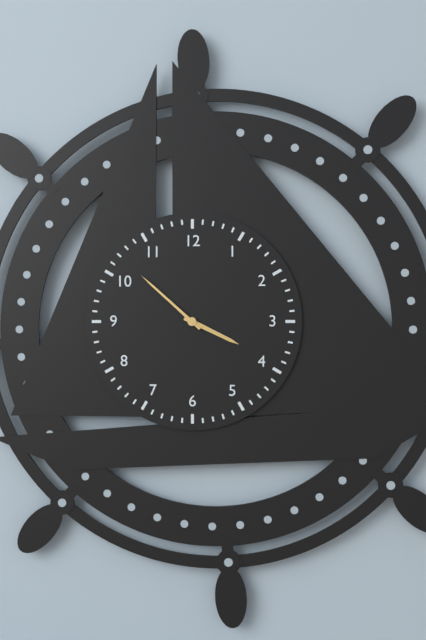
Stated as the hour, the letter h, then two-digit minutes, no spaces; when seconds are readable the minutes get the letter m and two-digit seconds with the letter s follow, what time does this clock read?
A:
3h52
